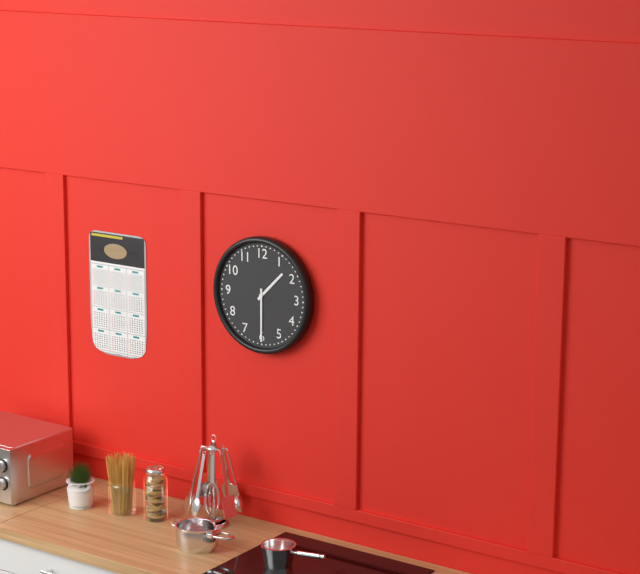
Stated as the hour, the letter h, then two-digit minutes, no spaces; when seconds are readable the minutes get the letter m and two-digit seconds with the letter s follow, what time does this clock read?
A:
1h30
